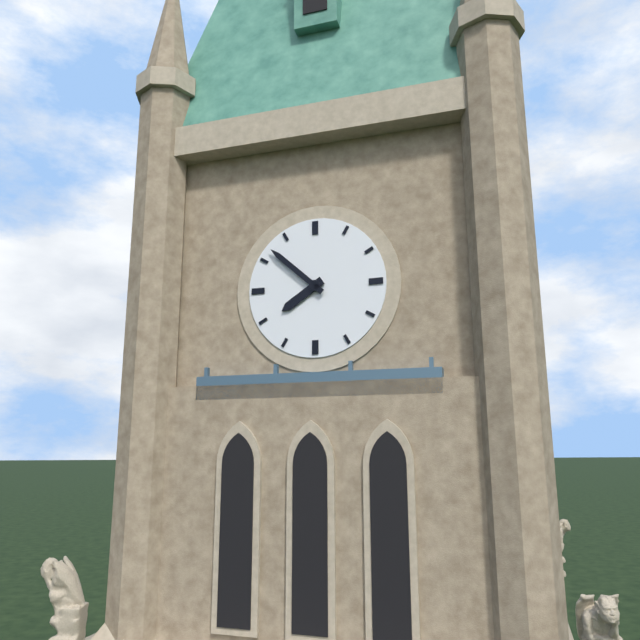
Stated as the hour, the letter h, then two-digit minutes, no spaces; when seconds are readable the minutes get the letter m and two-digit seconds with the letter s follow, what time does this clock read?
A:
7h52
